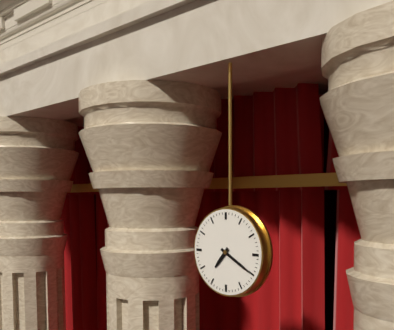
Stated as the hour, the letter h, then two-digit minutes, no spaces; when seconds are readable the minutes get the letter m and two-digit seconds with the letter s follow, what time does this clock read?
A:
7h20
